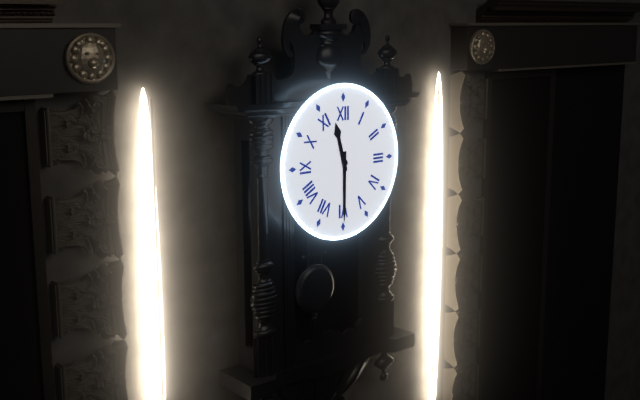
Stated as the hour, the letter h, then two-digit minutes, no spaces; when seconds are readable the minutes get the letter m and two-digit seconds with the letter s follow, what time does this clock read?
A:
11h30
